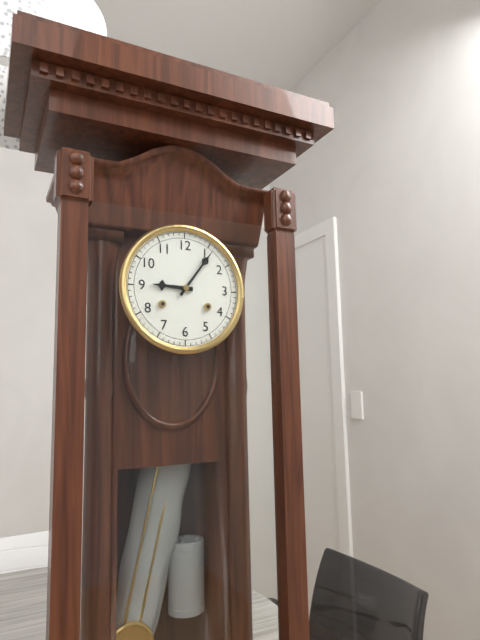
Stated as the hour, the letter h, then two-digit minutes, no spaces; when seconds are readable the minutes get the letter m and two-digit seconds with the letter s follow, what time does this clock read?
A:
9h06
